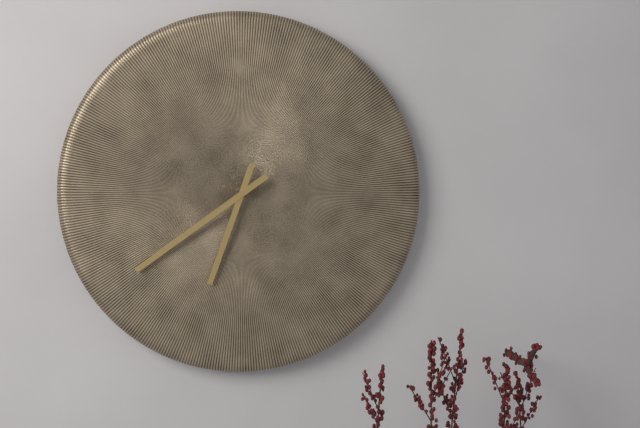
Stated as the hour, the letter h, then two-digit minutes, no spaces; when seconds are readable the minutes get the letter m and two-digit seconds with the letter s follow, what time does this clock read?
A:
6h39
